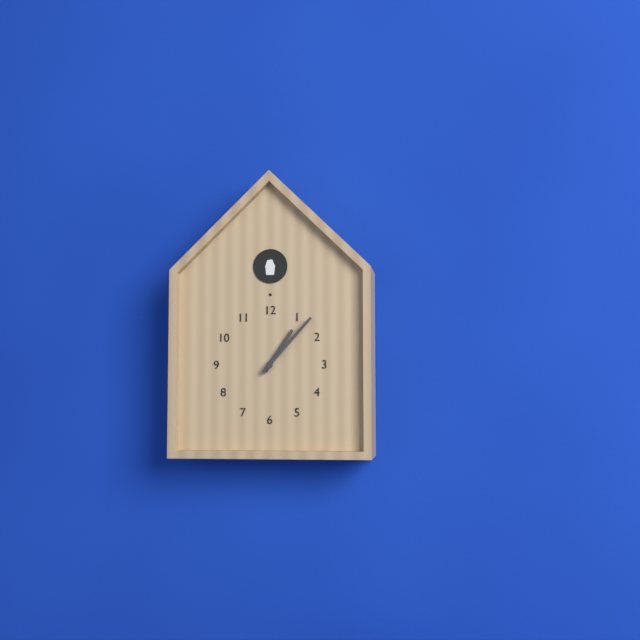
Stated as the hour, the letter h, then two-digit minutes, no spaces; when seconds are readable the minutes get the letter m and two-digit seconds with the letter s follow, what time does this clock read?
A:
1h07
